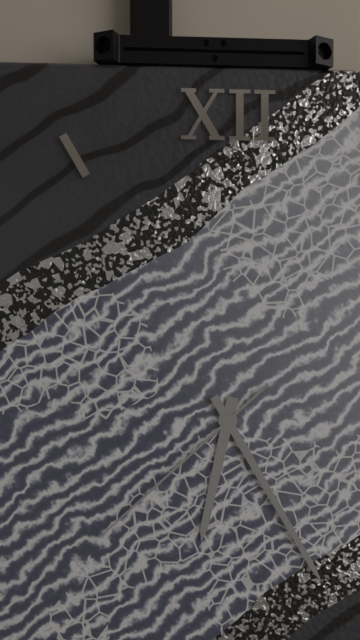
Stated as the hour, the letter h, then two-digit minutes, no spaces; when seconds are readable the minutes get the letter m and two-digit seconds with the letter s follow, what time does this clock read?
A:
6h25m38s
